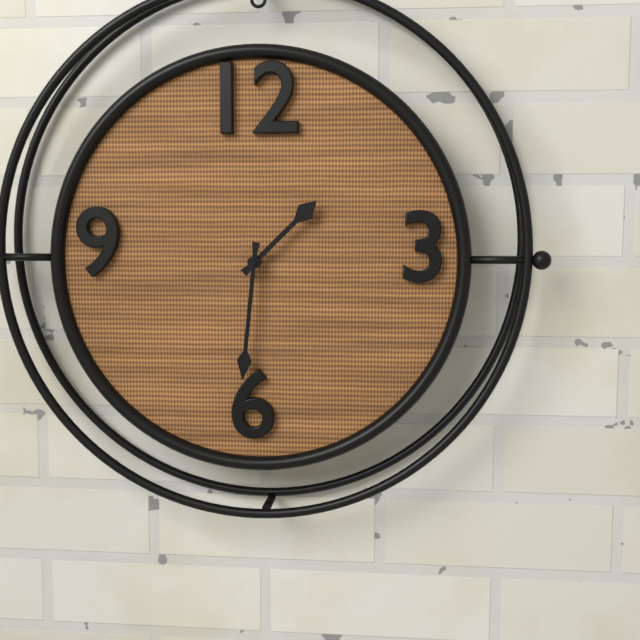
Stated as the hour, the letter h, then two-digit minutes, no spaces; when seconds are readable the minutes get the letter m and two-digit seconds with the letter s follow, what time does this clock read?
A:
1h31
